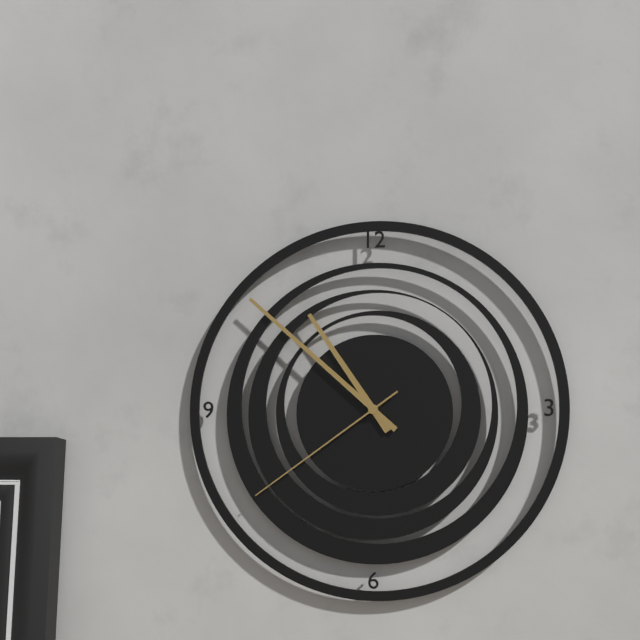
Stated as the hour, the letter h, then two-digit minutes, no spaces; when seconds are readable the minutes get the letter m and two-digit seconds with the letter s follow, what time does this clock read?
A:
10h52m39s
